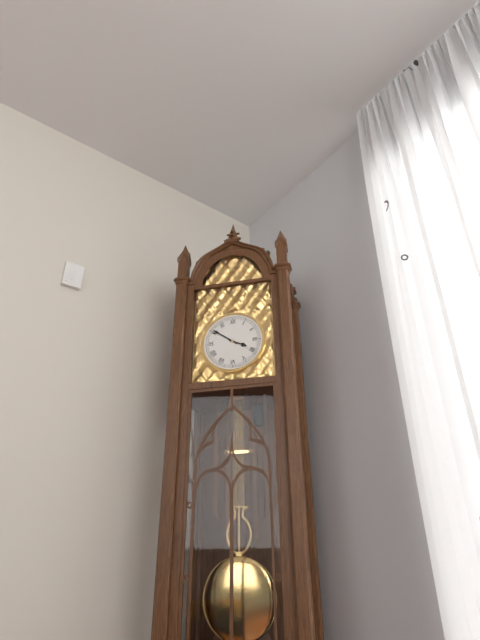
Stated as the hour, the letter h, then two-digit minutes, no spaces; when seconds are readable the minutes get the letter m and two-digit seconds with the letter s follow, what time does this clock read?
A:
3h51
